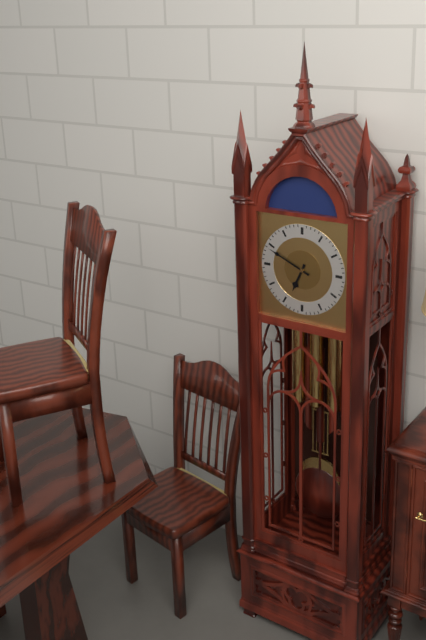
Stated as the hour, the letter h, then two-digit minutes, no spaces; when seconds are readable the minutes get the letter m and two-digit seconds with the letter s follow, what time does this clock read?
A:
6h49
